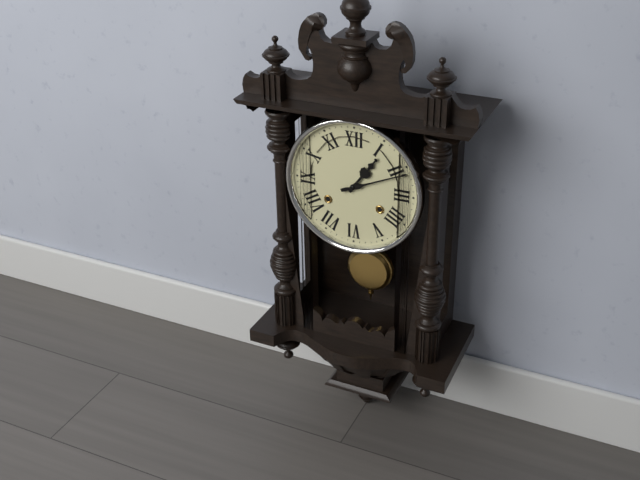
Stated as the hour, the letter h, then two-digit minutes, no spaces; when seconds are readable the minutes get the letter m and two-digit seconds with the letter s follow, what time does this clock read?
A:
1h11
